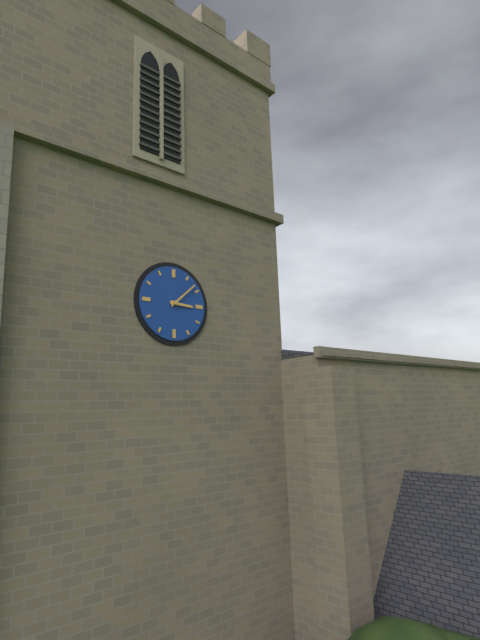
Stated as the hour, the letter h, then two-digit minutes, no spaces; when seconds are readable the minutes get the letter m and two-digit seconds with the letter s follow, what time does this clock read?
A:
3h08
